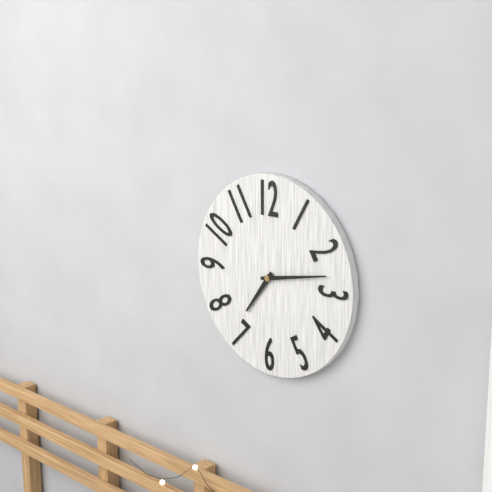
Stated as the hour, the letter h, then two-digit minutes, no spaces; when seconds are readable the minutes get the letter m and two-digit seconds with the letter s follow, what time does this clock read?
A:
7h13
